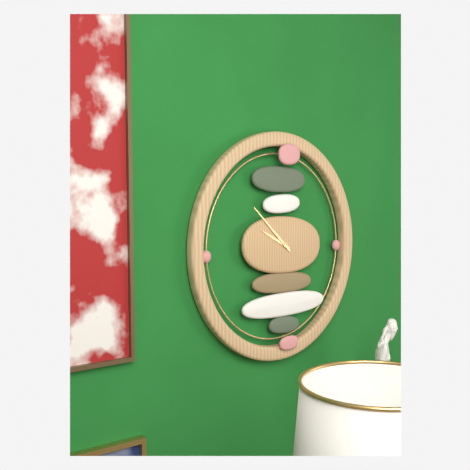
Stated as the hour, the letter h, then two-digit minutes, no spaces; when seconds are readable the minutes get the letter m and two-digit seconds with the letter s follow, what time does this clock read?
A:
9h52
